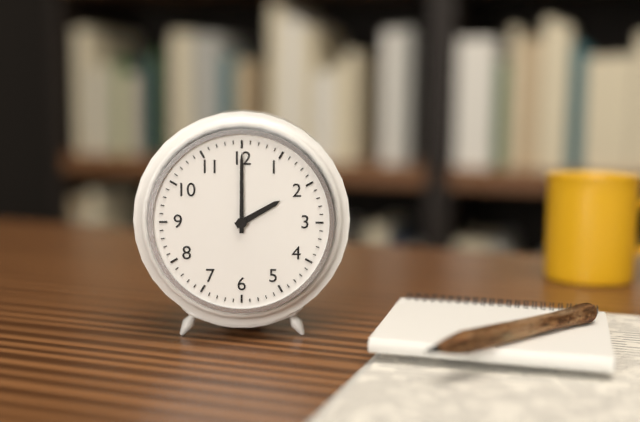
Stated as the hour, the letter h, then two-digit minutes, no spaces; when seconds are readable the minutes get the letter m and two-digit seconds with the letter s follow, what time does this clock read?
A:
2h00
